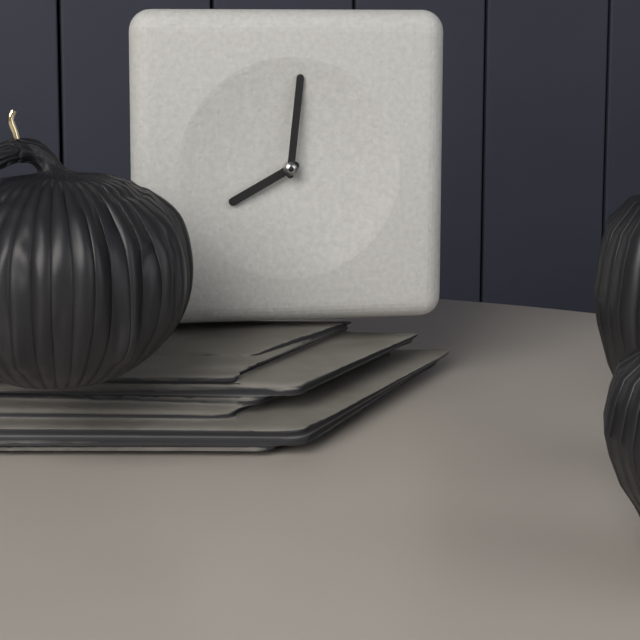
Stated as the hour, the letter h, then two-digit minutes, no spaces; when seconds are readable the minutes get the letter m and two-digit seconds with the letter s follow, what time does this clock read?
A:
8h01
